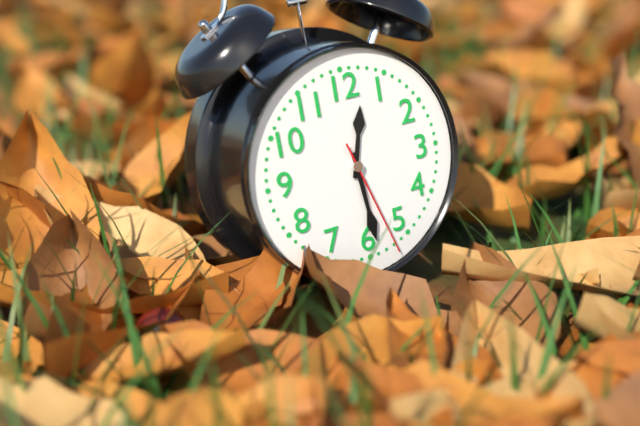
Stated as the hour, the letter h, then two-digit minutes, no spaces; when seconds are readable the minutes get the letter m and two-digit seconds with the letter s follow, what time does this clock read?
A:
12h29m27s
